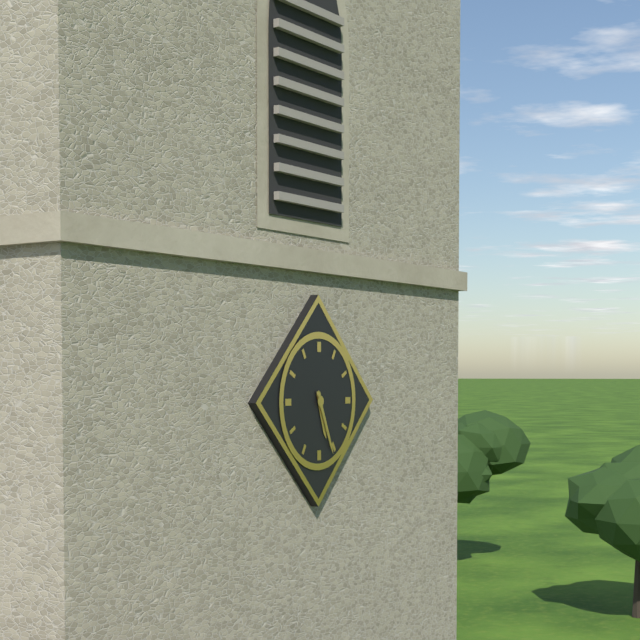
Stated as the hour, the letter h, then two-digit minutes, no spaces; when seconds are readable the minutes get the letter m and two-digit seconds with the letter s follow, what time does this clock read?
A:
5h26
